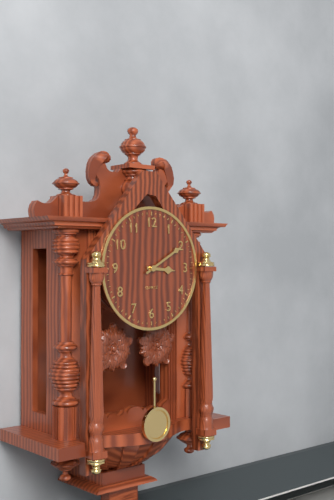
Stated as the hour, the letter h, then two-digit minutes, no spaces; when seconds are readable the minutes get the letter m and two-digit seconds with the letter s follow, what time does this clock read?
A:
3h10
